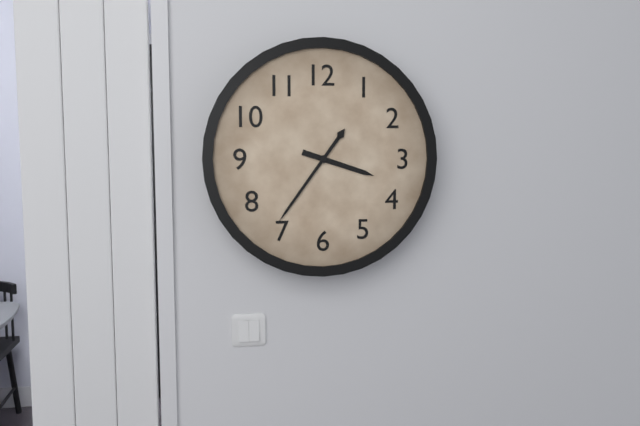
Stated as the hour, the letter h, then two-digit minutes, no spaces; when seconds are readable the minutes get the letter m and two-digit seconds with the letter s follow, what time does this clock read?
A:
3h36
